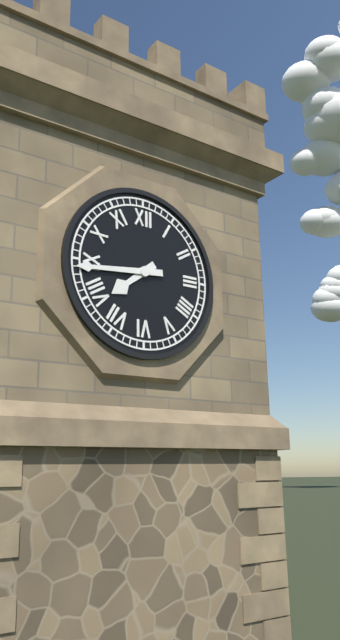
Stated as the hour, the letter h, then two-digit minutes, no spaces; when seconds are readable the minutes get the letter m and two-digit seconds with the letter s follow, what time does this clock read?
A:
7h44
